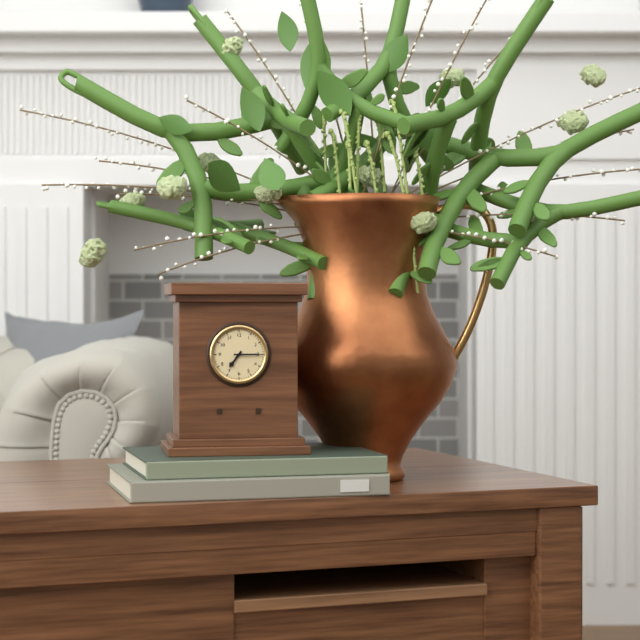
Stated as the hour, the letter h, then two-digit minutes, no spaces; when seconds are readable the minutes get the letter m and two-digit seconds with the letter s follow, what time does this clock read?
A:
7h15
